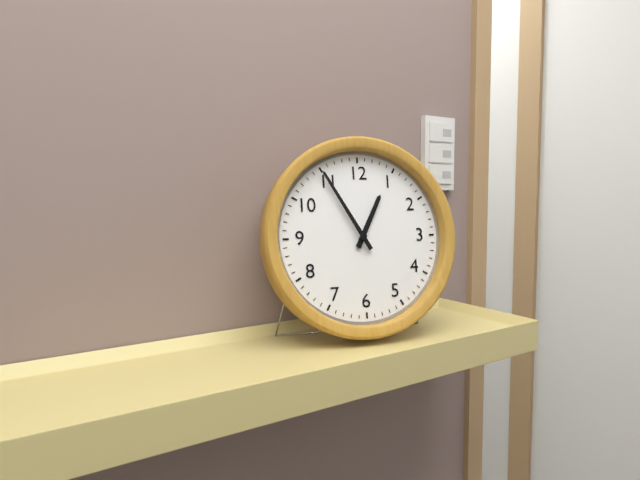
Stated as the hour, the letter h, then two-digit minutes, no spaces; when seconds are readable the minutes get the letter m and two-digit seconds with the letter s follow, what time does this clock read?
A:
12h55
